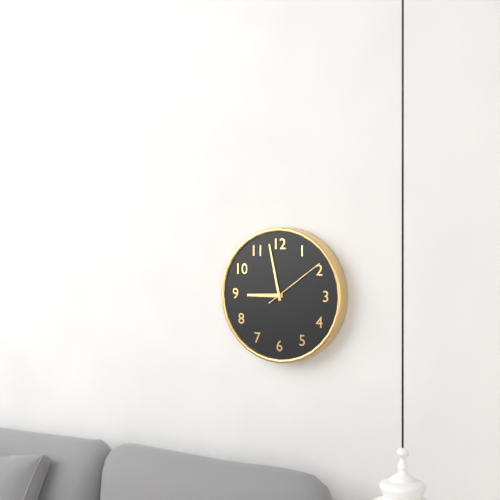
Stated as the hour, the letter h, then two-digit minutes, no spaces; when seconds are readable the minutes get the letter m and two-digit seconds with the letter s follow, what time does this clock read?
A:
8h58m09s
